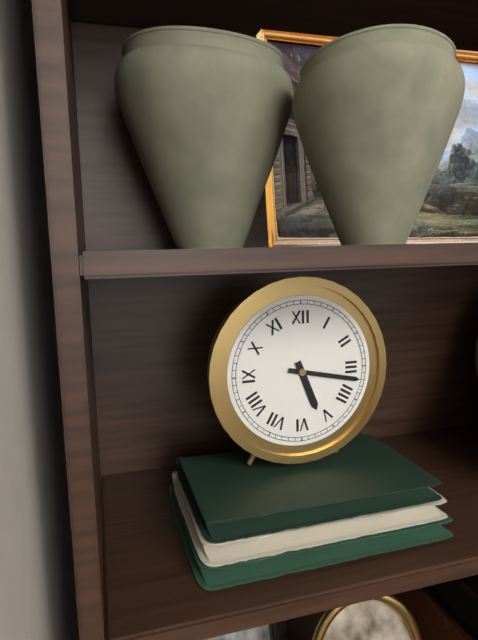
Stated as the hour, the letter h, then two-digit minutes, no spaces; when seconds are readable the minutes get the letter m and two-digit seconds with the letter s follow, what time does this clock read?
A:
5h17
